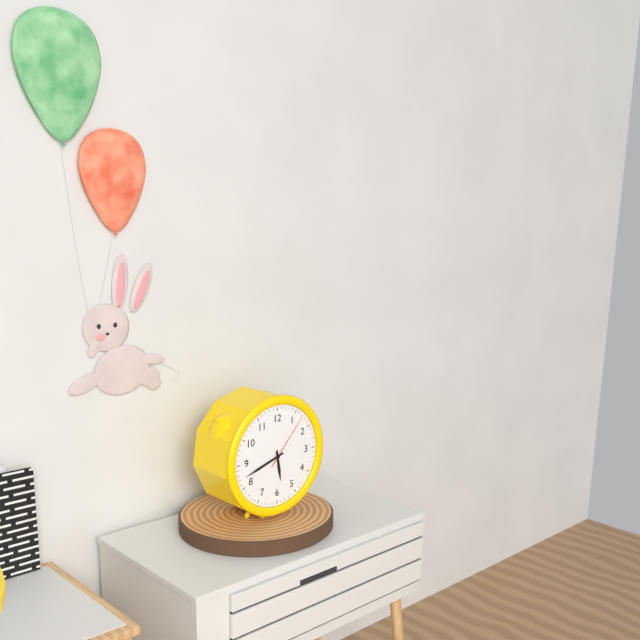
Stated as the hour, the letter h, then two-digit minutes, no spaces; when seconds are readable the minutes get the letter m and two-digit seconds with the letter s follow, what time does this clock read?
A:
5h42m07s
